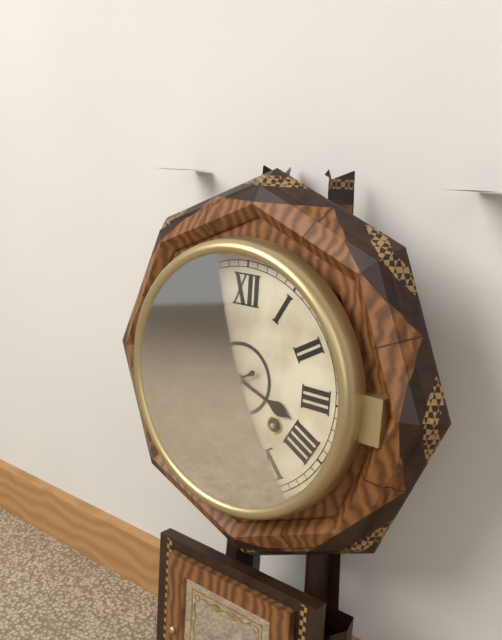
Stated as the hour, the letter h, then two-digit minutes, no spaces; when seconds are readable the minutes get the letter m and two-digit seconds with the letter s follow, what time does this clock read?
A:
3h40
